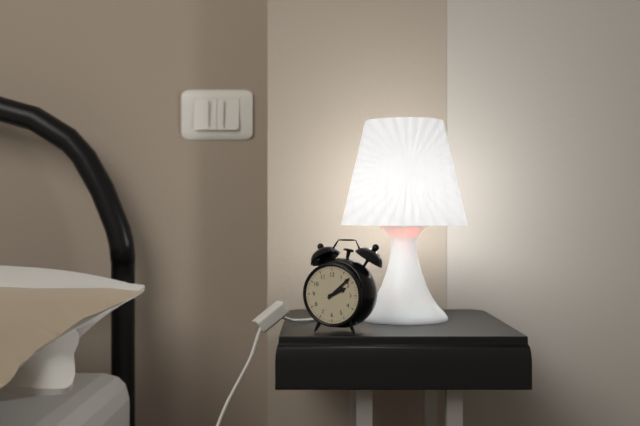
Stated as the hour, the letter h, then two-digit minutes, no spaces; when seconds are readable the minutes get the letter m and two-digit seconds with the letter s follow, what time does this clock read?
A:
2h08
